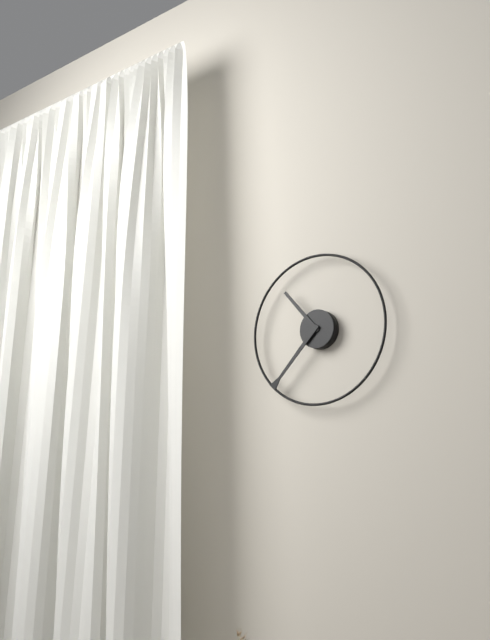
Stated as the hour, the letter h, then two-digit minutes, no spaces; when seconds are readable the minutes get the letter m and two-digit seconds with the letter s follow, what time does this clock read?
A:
10h37
